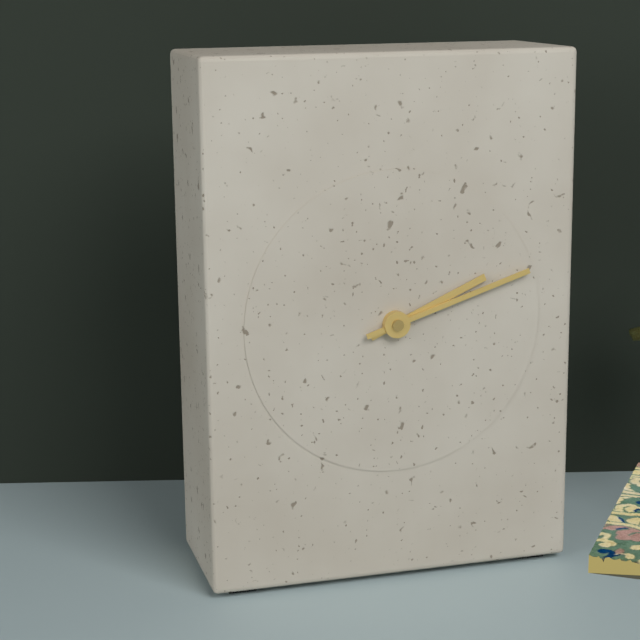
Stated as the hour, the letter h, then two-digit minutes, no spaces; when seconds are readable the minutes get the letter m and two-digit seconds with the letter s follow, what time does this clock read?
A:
2h12
